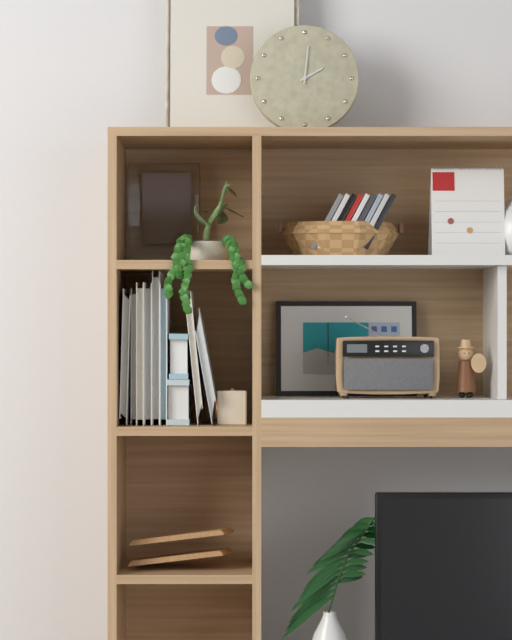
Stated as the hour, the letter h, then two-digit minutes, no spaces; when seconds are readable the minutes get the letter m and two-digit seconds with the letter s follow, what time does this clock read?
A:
2h01
